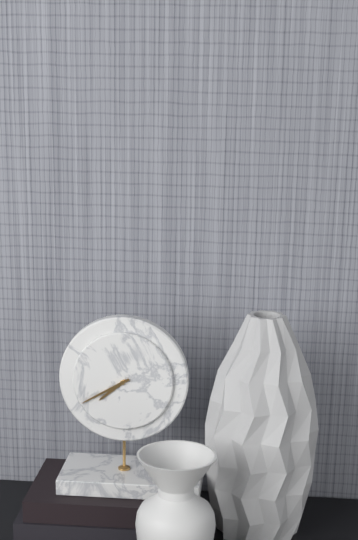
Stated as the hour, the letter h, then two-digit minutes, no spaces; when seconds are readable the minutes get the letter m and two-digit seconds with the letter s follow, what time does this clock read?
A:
7h40
